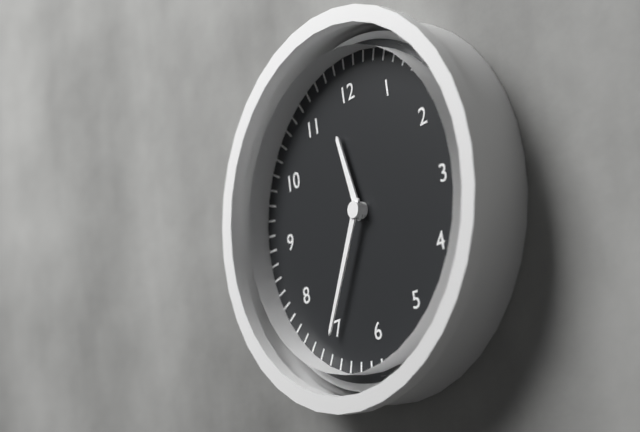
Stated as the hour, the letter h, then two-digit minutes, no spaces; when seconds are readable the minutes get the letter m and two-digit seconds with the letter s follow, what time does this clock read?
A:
11h35
